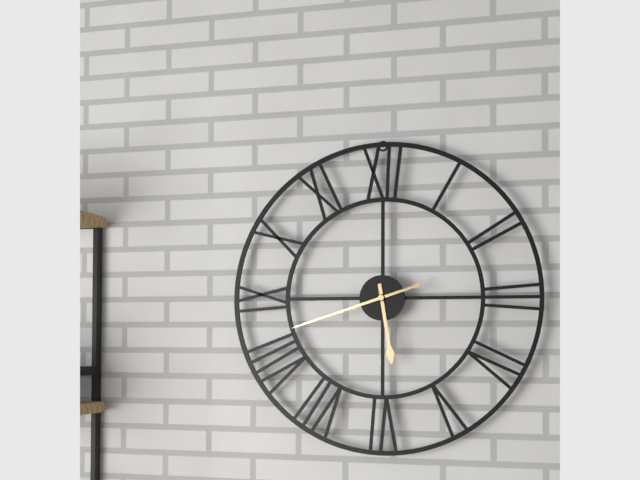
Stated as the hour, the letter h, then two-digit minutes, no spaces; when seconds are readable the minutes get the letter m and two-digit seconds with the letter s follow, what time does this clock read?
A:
5h42
